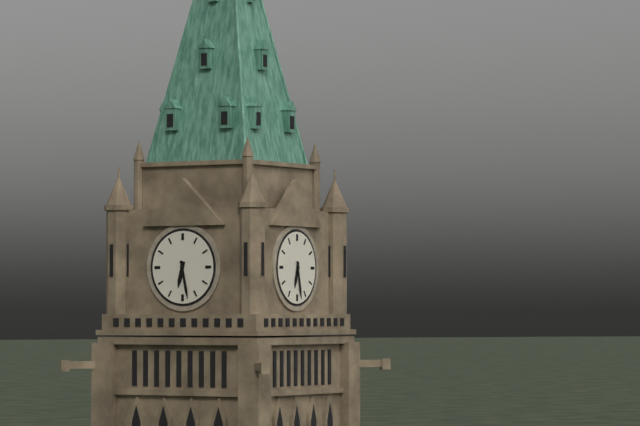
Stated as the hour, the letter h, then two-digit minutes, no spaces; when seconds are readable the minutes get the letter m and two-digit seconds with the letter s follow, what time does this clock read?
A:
6h28
